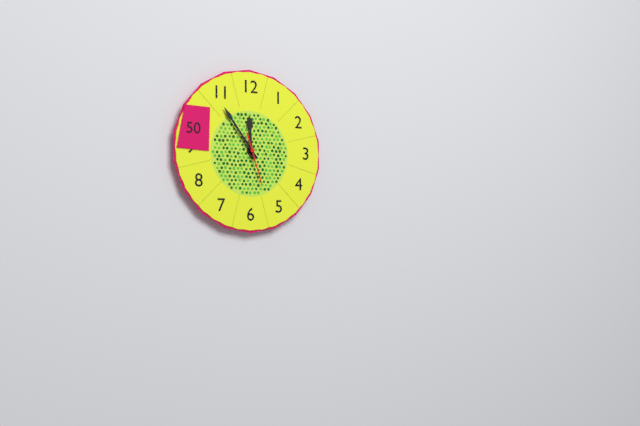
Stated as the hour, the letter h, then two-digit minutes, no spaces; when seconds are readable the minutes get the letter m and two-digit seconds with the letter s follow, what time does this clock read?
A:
11h54
